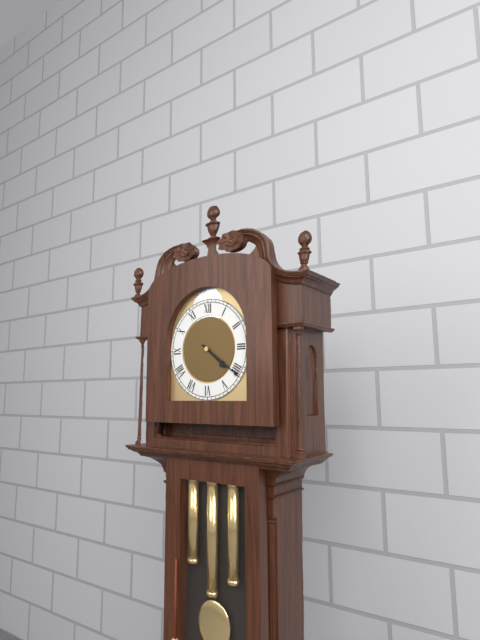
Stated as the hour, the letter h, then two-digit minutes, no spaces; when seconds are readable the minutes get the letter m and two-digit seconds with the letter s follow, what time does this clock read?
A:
4h21
